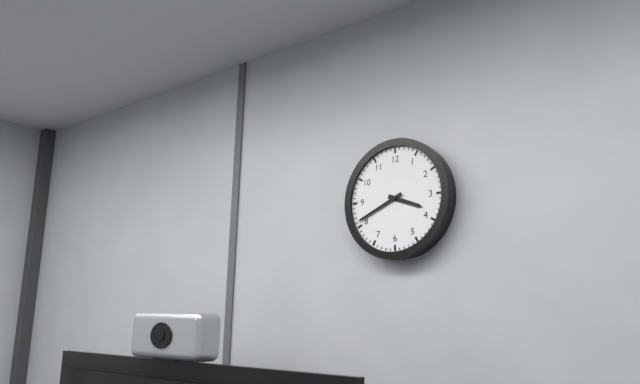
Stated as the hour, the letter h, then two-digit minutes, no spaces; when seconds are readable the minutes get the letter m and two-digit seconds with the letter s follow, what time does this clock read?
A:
3h41
